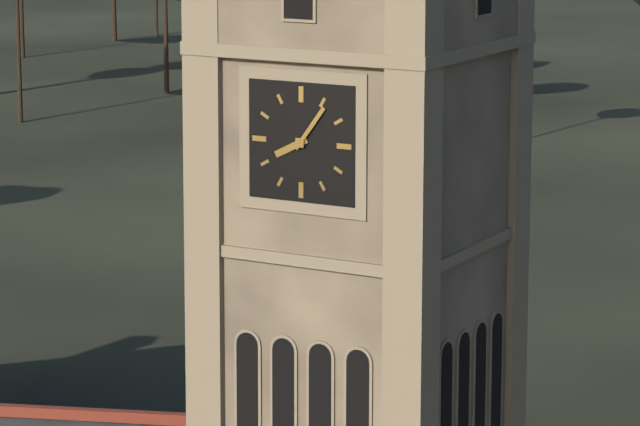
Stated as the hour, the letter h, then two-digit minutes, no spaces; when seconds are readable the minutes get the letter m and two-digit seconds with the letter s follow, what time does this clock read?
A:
8h06
